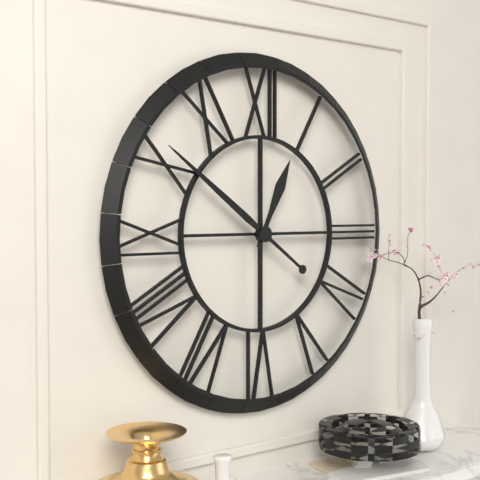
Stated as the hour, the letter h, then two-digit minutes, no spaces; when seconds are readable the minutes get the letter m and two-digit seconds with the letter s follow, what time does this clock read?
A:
12h51
